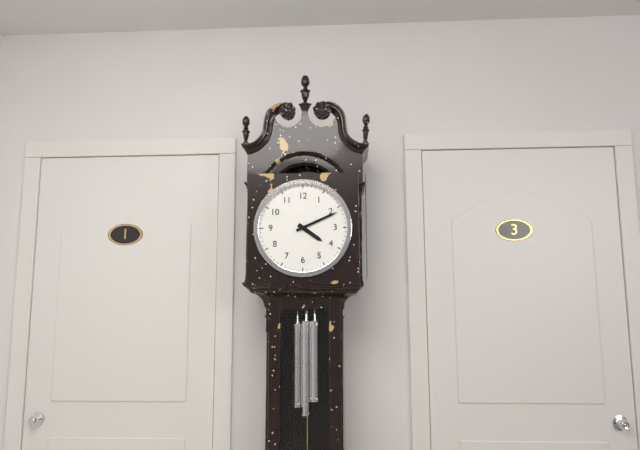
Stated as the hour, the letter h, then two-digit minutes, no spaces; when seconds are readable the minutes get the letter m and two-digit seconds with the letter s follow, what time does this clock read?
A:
4h11
